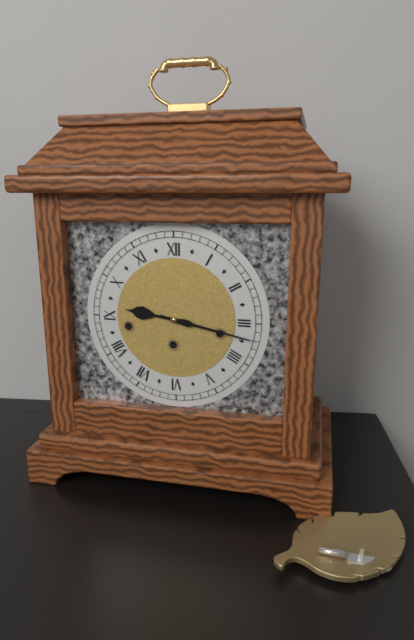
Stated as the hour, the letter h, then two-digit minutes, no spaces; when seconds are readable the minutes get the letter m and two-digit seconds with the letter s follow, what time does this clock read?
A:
9h17
